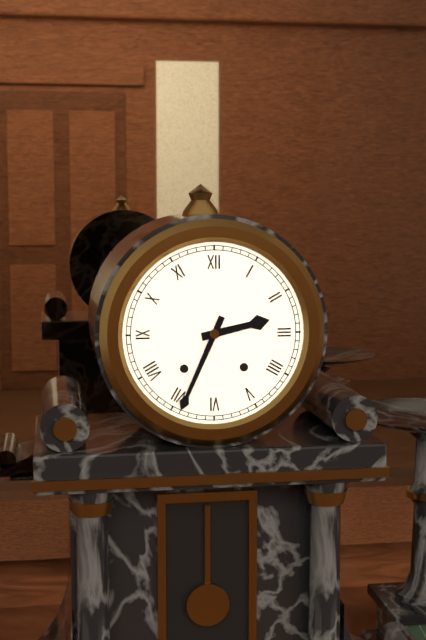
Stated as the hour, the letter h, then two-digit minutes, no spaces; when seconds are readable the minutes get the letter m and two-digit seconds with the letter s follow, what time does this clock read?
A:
2h34
